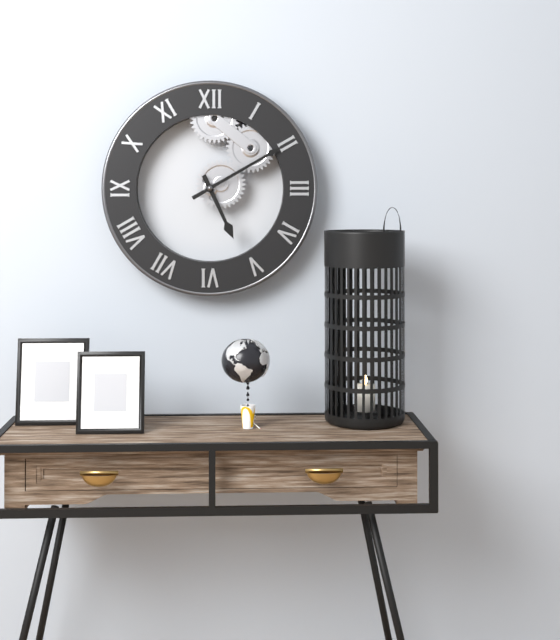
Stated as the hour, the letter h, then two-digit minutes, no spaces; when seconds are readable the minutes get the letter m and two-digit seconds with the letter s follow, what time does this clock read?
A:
5h10
